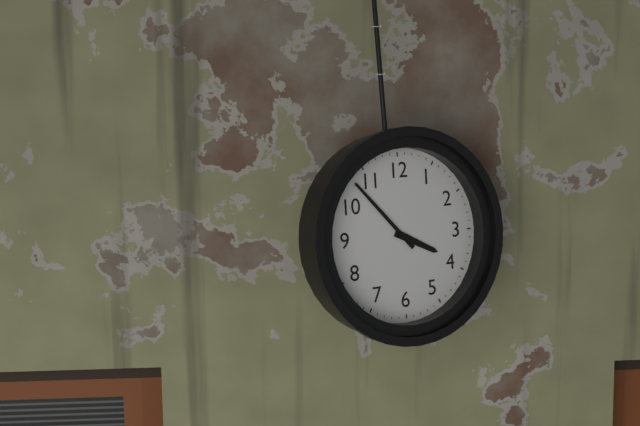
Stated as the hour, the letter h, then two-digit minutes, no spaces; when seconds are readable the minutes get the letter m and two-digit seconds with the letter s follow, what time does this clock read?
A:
3h53
